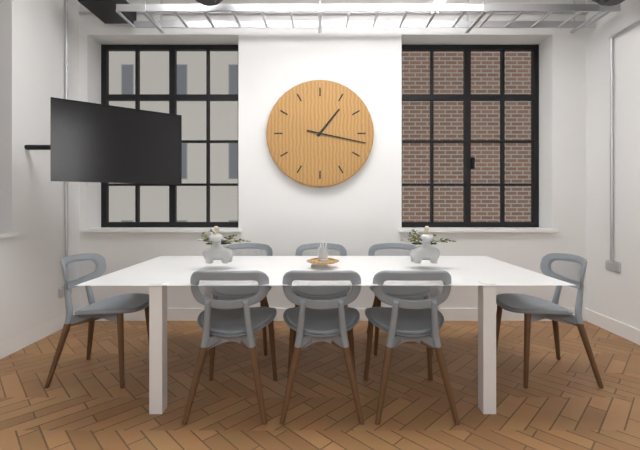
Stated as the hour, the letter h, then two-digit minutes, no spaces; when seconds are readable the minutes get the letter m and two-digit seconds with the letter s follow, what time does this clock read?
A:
1h17
